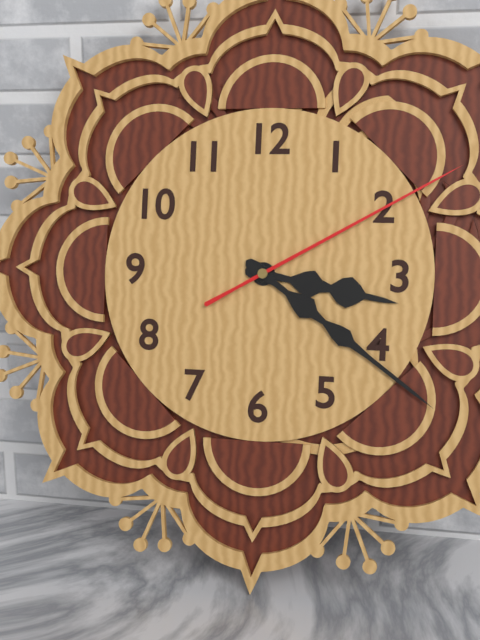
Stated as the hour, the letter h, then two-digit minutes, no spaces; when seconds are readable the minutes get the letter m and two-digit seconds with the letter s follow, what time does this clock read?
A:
3h21m10s
